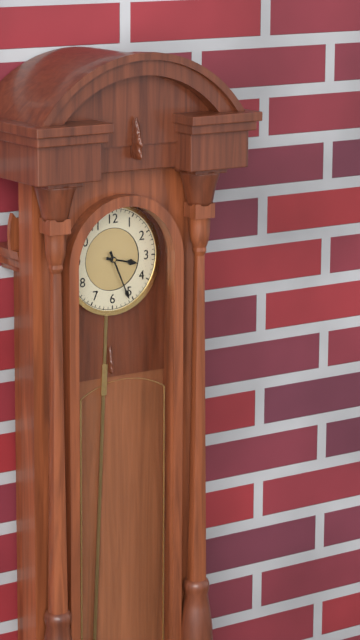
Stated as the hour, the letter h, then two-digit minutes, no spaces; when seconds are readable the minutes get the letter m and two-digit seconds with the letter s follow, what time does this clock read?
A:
3h26
